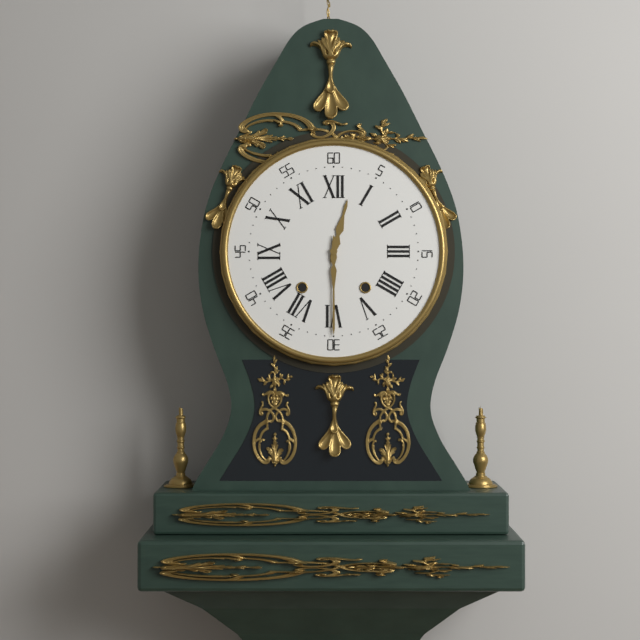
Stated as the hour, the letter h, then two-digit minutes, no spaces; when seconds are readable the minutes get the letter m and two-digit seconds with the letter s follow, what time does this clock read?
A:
12h30
